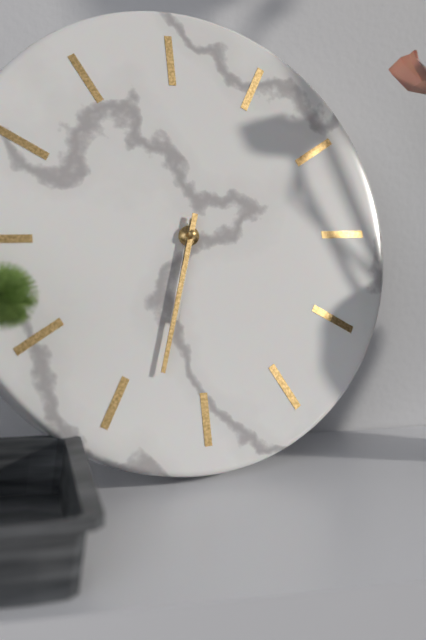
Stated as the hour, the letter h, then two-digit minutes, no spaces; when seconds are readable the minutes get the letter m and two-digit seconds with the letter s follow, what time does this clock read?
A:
6h33
